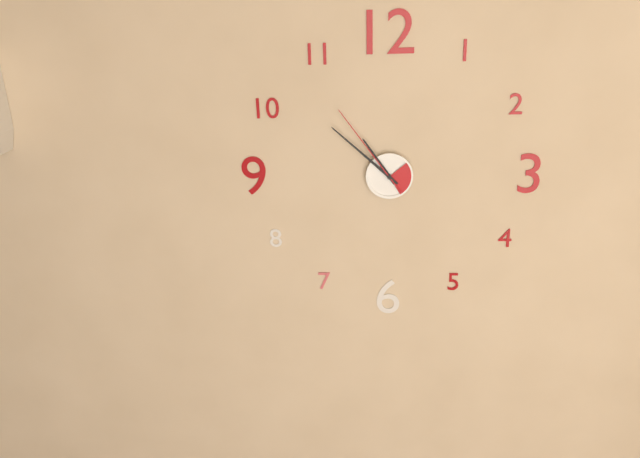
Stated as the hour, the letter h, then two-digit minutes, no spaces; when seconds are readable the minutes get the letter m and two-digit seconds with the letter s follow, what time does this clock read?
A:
10h52m54s
